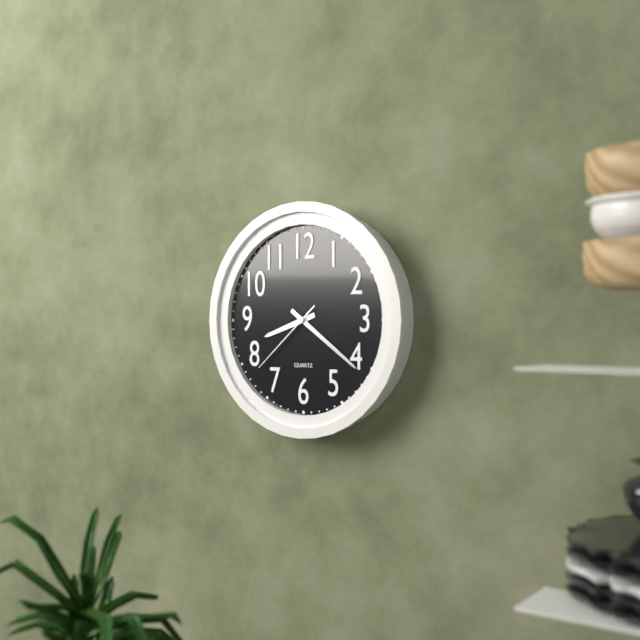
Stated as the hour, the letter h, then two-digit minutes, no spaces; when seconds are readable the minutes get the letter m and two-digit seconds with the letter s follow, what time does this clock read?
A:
8h21m38s
